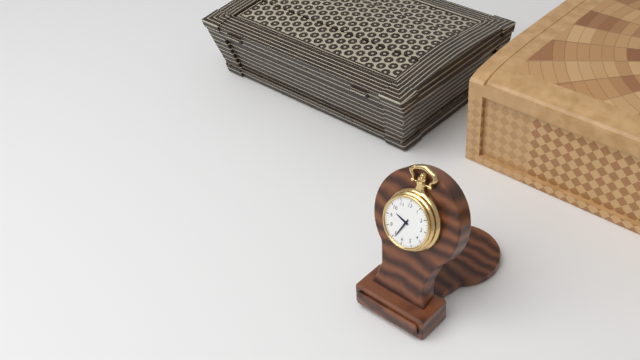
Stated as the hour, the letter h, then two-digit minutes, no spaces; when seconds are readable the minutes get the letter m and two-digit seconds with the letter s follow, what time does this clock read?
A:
9h34
